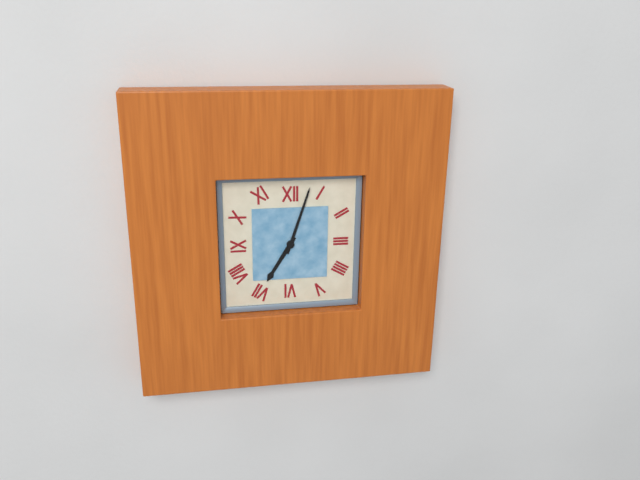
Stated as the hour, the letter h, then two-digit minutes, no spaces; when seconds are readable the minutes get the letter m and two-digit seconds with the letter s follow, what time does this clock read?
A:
7h03
